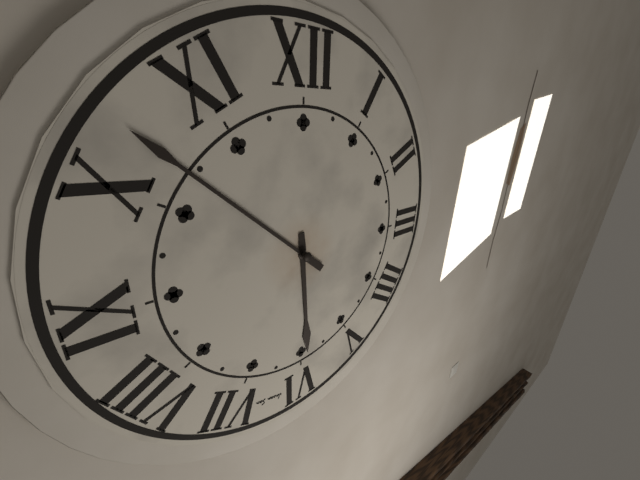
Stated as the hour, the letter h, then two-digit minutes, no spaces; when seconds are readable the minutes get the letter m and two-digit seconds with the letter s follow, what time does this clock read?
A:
5h52
